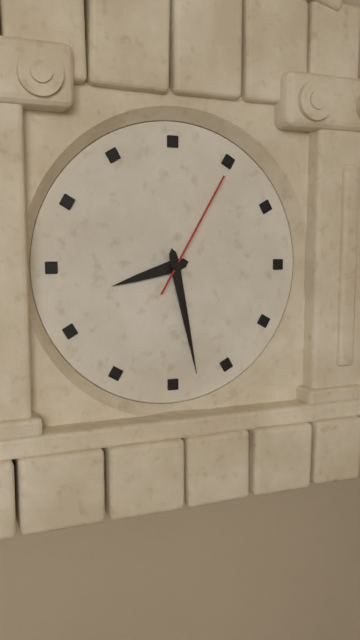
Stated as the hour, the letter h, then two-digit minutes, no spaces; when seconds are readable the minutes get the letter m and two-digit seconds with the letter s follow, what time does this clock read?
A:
8h28m05s
